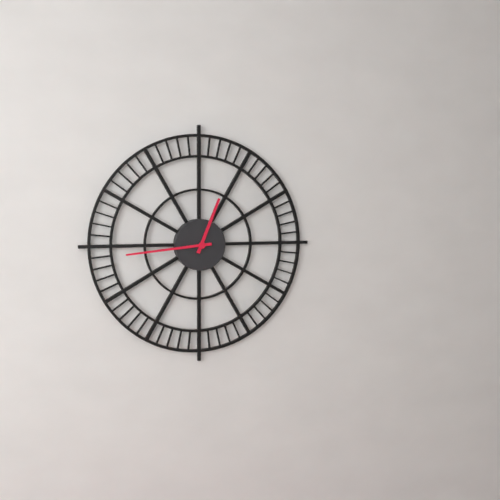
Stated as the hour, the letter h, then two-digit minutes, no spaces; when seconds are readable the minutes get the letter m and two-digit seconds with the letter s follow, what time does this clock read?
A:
12h44
